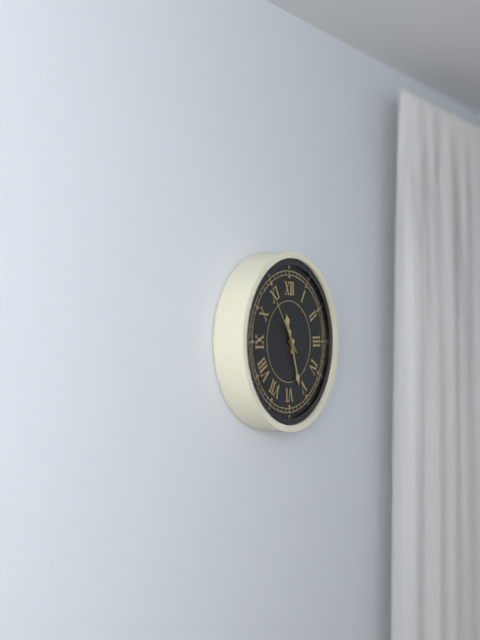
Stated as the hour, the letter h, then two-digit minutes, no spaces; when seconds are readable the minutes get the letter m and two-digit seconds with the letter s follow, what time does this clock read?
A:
11h27m54s
